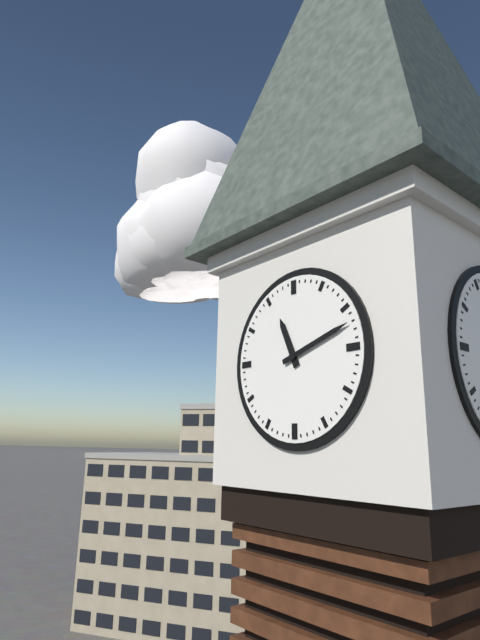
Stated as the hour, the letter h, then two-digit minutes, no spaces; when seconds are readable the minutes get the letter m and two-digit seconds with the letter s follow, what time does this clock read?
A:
11h12
